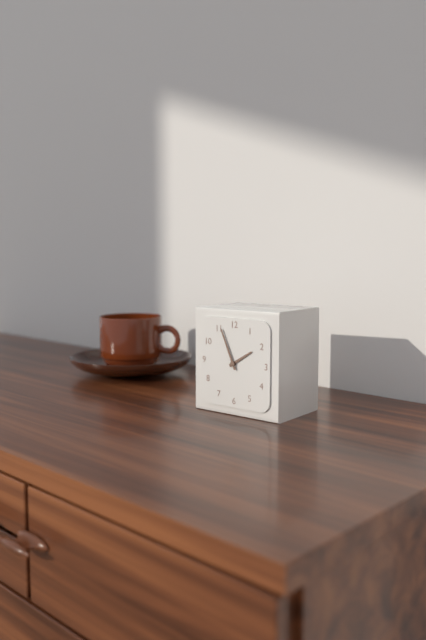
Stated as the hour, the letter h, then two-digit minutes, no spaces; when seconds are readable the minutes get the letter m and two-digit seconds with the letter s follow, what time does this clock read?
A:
1h56
